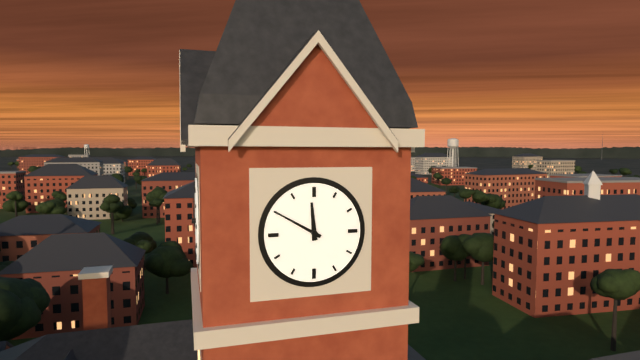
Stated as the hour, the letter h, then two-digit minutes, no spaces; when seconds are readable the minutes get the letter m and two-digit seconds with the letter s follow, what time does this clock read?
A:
11h50
